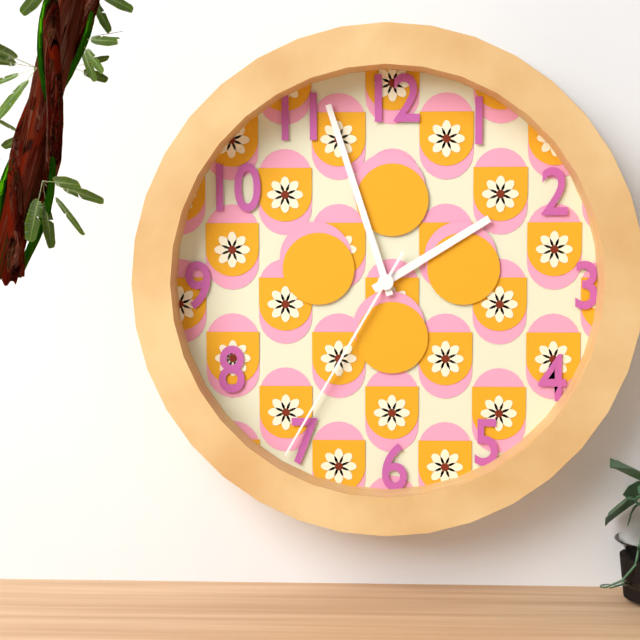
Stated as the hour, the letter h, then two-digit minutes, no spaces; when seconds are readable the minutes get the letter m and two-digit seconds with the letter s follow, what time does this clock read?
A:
1h57m35s
